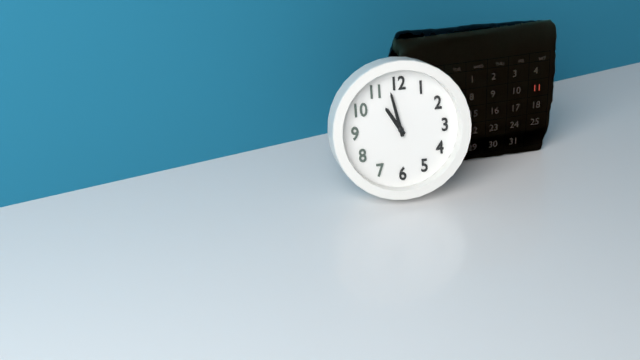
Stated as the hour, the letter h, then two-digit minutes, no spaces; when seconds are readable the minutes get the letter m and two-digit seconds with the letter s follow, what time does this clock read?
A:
10h58
